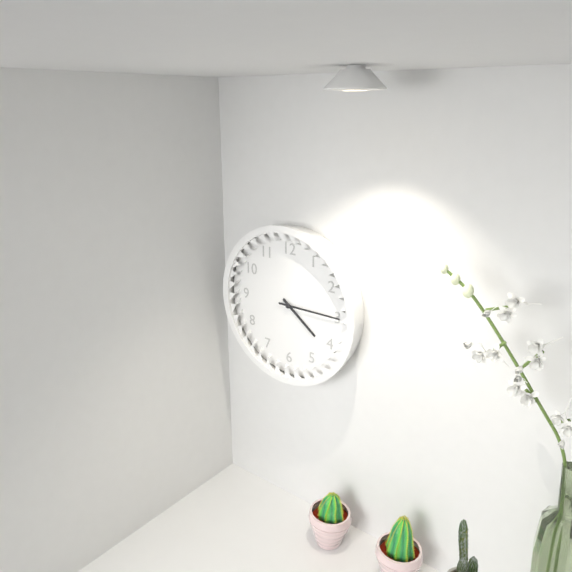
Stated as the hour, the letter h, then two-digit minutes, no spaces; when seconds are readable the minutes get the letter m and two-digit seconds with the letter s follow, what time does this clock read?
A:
4h15
